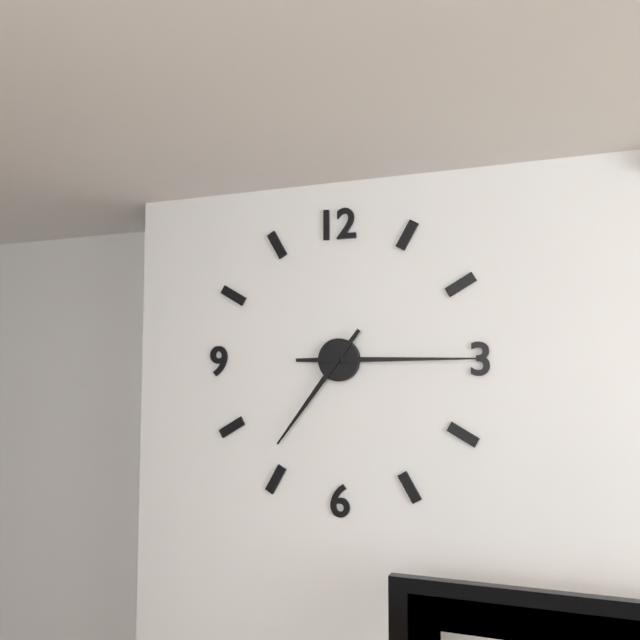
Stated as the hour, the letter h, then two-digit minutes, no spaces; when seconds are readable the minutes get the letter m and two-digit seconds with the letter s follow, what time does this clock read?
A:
7h15
